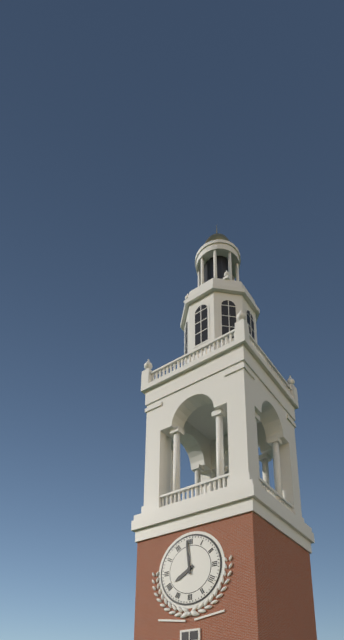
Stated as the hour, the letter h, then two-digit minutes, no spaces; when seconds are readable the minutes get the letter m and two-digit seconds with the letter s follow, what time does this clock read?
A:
7h59
